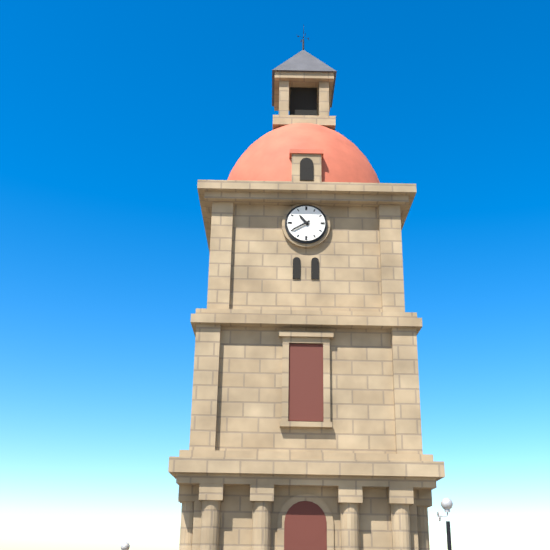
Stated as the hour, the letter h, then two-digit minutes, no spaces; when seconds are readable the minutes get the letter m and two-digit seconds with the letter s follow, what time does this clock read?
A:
10h40
